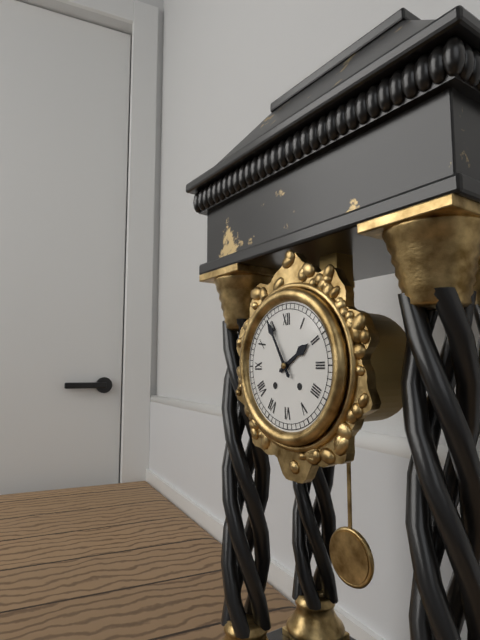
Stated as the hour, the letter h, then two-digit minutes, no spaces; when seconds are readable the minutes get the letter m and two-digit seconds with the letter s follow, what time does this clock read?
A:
1h55
